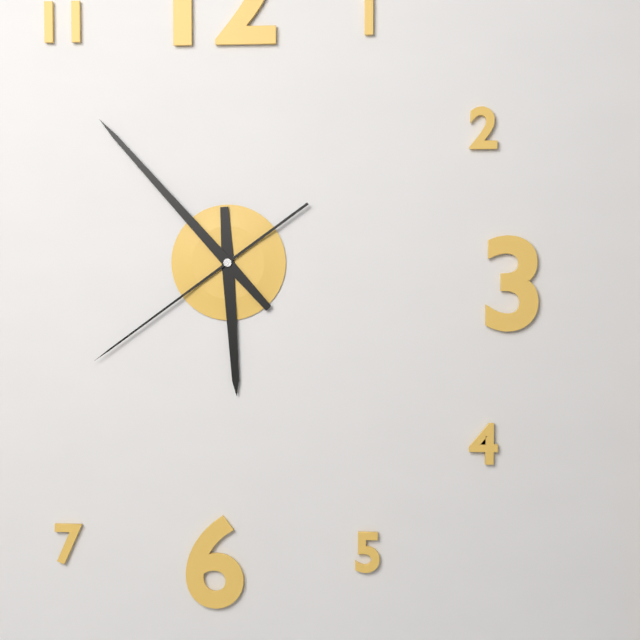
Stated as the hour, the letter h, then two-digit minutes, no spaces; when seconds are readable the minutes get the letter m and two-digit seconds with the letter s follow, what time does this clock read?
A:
5h53m39s
